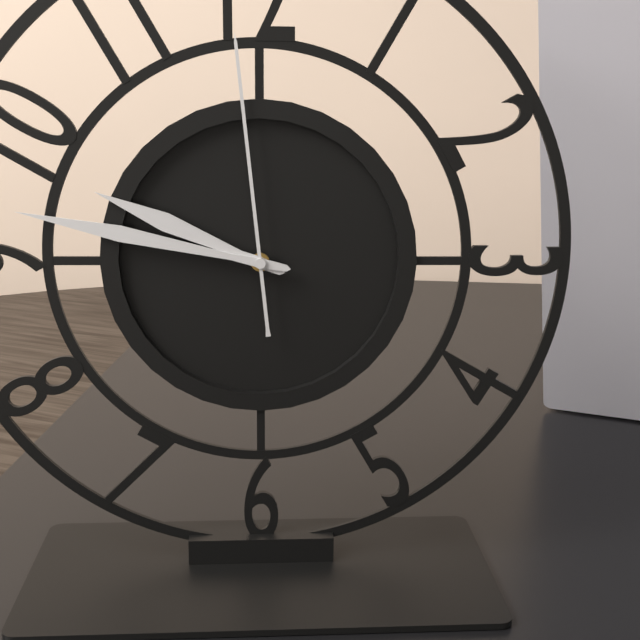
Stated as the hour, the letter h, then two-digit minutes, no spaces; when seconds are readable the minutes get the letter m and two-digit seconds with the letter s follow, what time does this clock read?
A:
9h47m59s
